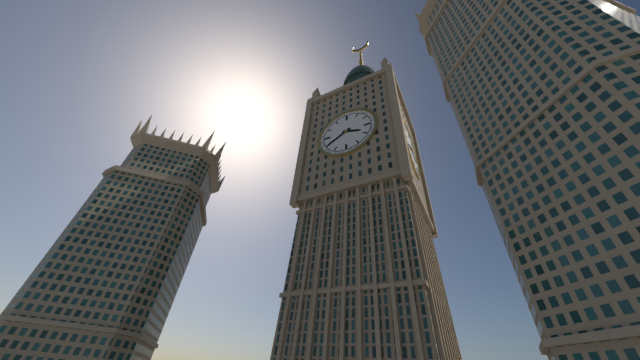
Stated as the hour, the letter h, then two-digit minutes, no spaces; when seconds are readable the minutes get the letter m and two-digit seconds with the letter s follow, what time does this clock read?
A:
3h40
